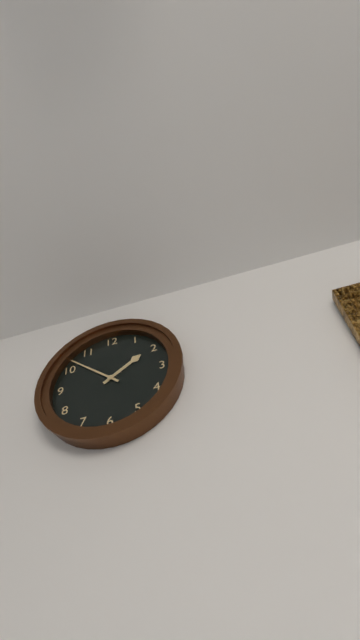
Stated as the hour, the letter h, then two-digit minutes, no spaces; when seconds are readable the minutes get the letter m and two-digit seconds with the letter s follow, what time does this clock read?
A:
1h52
